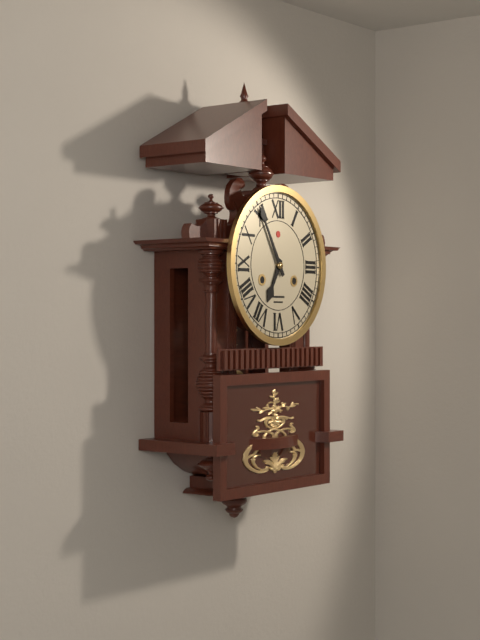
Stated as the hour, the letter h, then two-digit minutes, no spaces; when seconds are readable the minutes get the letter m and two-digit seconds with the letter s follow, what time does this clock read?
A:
6h55
